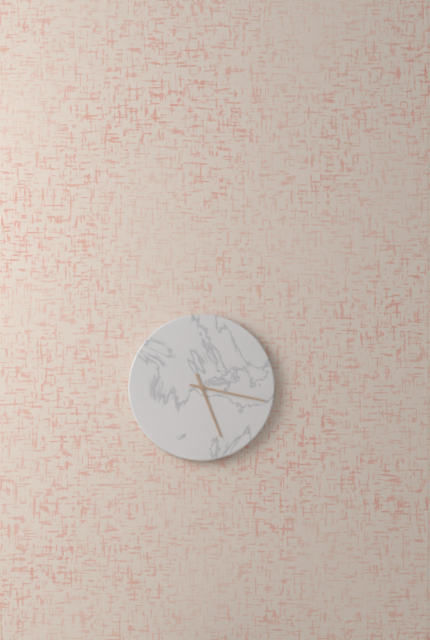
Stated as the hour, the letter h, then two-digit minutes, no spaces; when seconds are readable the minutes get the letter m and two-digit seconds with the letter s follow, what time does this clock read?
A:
5h17
